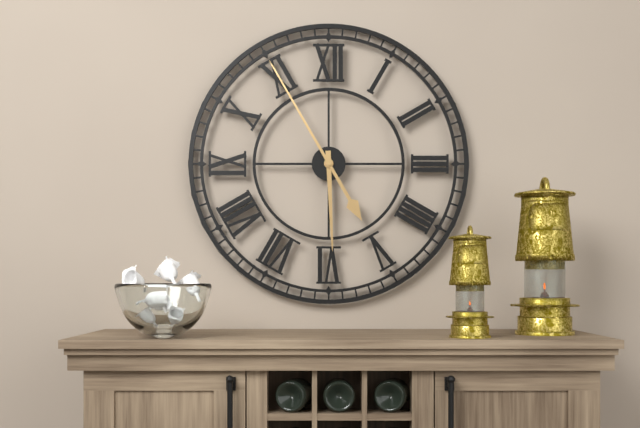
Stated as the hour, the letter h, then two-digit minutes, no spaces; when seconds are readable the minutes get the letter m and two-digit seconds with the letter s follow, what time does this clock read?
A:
5h55
